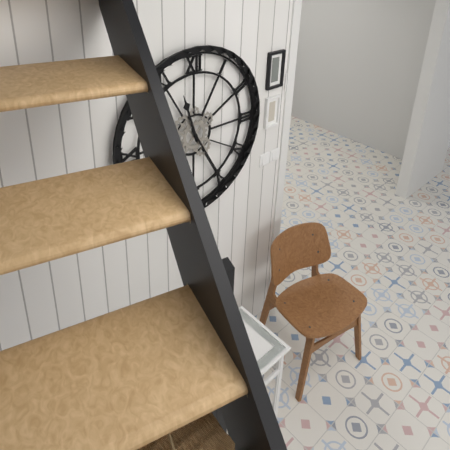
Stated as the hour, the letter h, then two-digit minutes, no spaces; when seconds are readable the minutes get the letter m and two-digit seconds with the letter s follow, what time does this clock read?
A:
11h25
